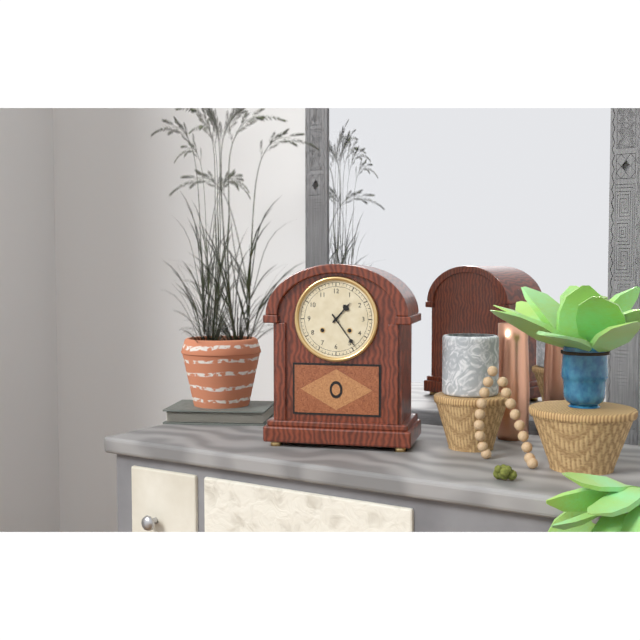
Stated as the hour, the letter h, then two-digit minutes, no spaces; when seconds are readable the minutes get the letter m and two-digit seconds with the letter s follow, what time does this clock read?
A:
1h24
